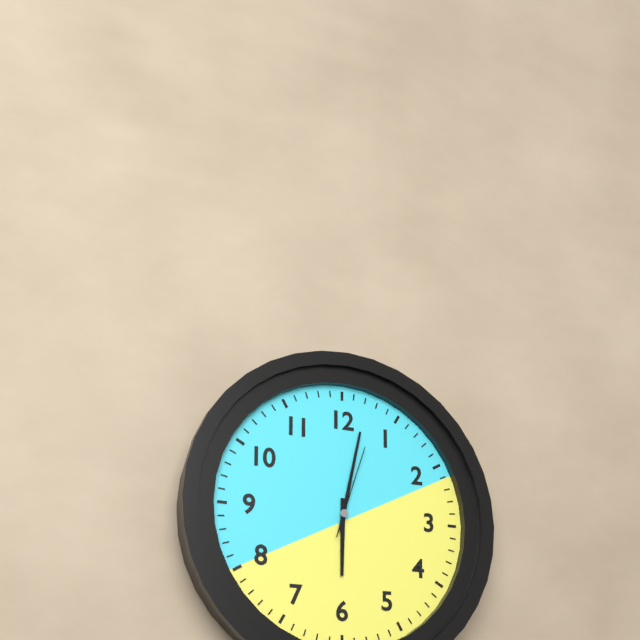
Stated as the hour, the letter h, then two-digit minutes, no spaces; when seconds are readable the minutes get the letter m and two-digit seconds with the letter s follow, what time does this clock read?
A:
6h02m03s
